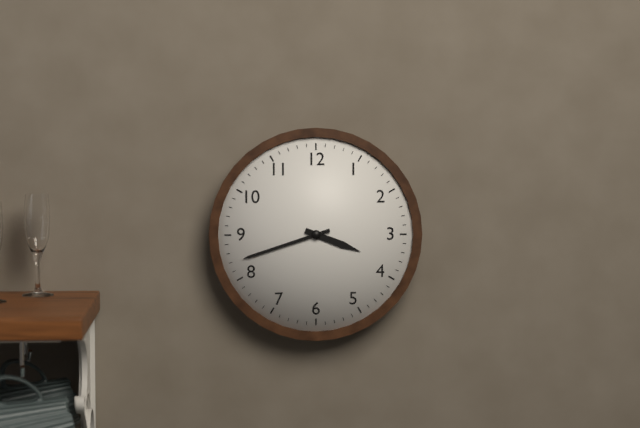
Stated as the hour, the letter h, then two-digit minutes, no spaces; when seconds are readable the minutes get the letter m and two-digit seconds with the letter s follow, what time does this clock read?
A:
3h42
